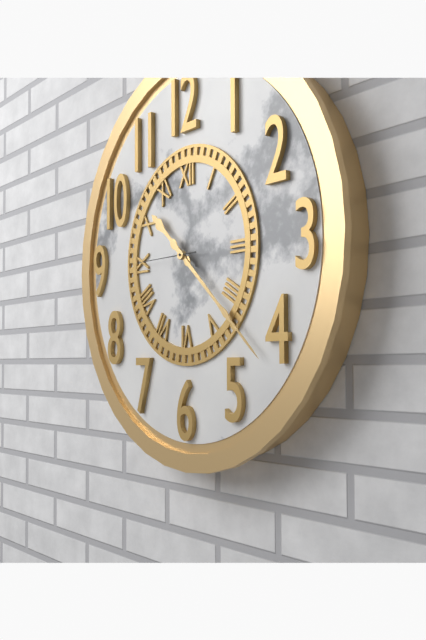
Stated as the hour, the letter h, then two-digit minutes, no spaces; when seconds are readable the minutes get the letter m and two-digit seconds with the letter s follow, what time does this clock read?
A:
10h22m45s
